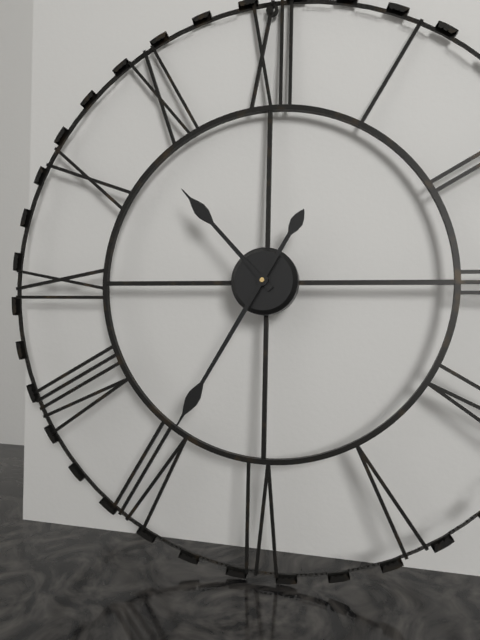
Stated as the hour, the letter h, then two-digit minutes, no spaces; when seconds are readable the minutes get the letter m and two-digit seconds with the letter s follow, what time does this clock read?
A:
10h35
